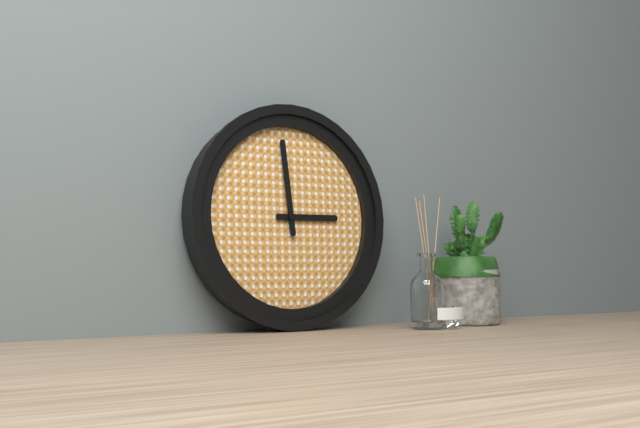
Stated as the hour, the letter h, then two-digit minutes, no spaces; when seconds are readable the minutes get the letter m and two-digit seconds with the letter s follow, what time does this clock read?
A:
2h59
